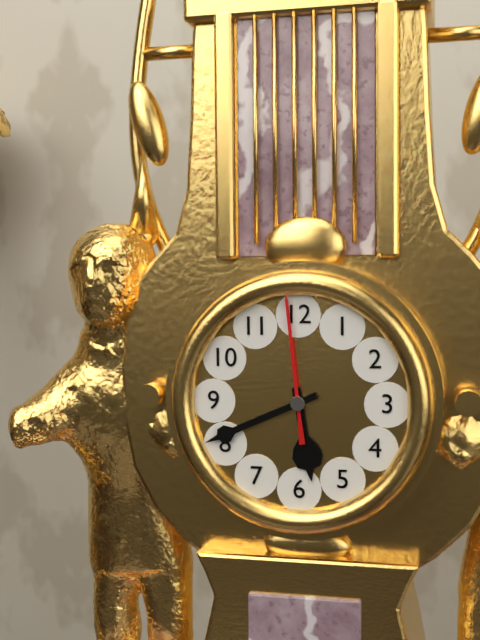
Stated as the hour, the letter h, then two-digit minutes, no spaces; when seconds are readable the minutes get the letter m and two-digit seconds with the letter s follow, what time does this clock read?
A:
5h41m59s
